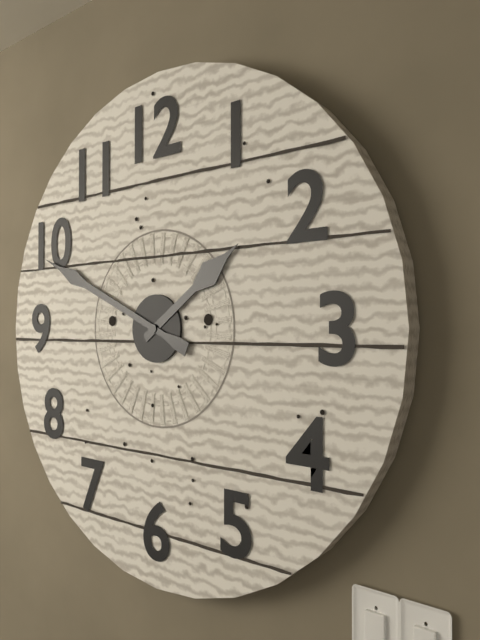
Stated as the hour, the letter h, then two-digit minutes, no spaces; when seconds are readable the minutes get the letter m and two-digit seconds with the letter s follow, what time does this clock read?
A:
1h49
